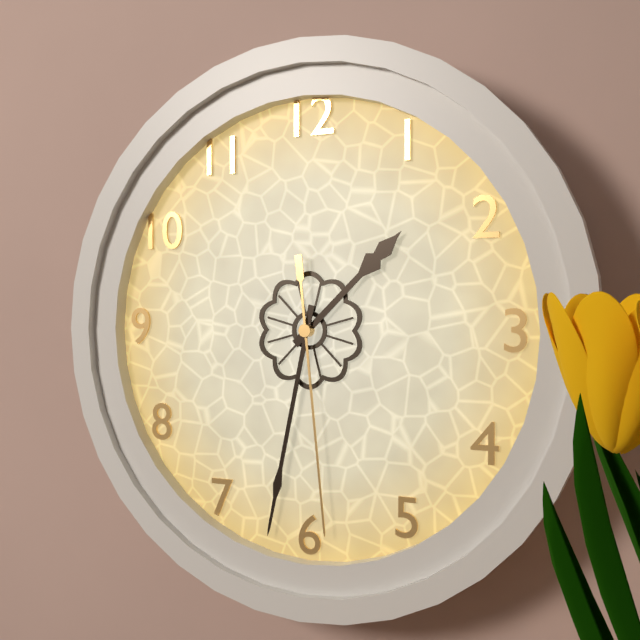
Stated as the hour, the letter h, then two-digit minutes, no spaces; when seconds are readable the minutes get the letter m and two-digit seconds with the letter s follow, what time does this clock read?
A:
1h32m29s
